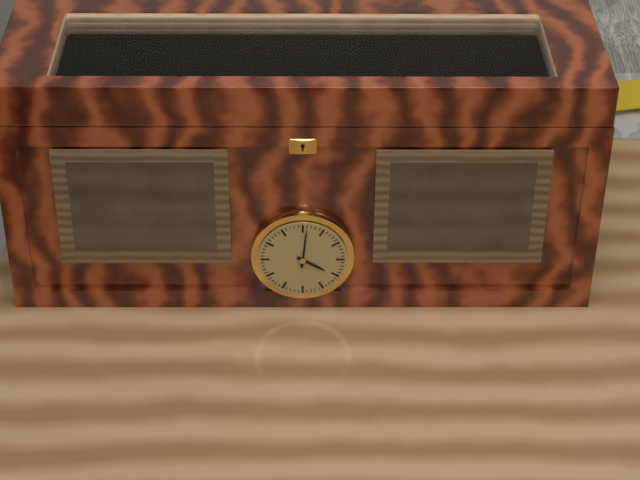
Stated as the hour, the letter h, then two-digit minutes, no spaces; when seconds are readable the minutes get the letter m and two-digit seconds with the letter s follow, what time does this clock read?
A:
4h01
